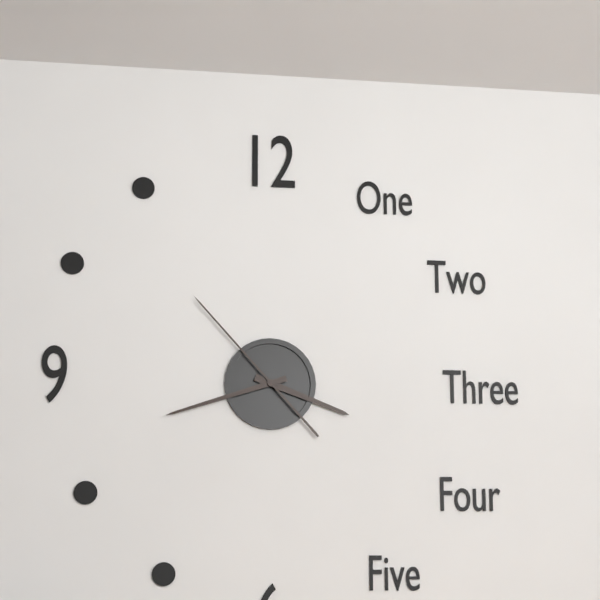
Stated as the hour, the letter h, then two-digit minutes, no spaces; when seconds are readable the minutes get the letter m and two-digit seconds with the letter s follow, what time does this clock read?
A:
3h42m53s
